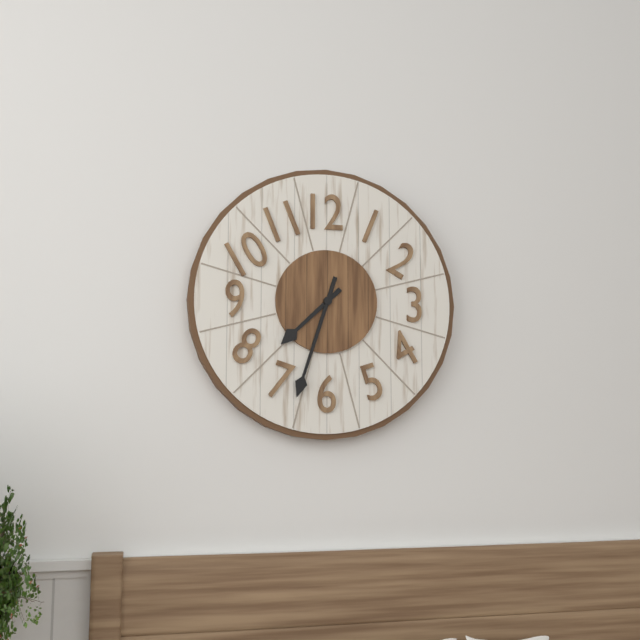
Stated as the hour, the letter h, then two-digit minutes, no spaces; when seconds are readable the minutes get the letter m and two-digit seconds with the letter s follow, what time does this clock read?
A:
7h33
